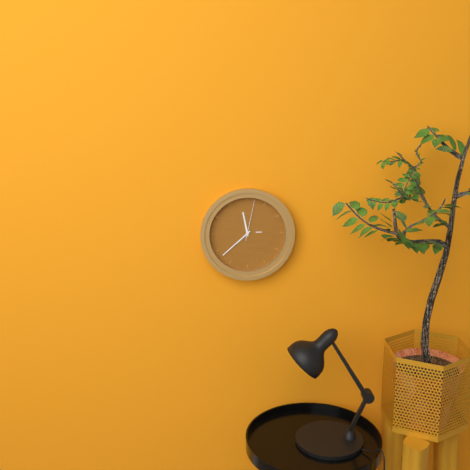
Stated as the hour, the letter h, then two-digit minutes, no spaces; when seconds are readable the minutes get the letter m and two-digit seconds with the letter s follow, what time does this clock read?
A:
11h38
